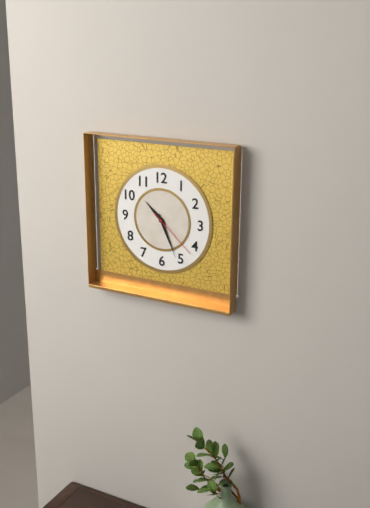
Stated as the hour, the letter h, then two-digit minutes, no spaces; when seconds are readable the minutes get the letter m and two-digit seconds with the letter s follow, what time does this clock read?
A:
10h26m22s
